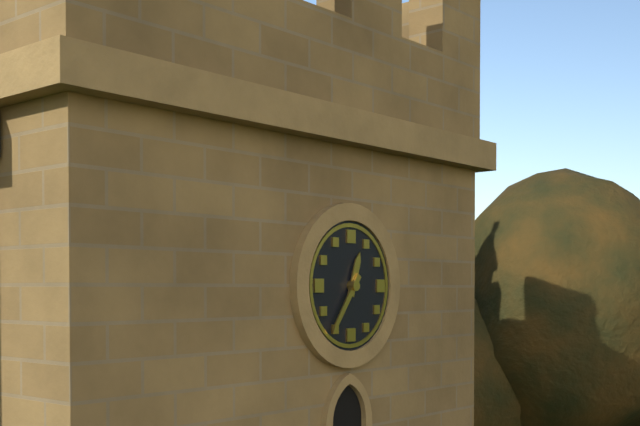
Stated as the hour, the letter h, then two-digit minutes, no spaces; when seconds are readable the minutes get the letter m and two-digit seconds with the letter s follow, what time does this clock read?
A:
12h36
